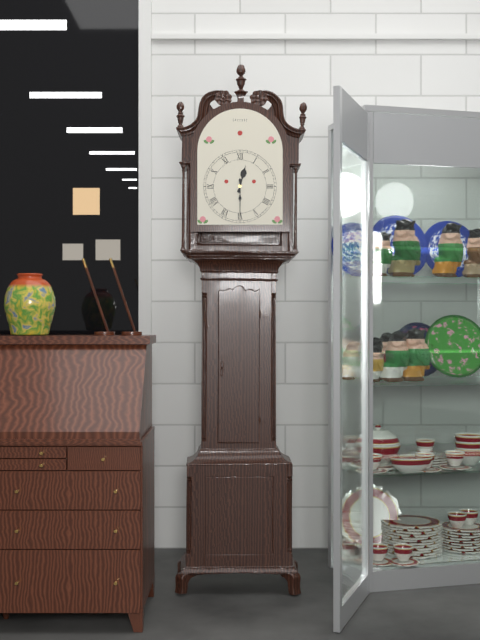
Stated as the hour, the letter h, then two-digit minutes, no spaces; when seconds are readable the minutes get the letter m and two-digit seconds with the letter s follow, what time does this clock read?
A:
12h30
